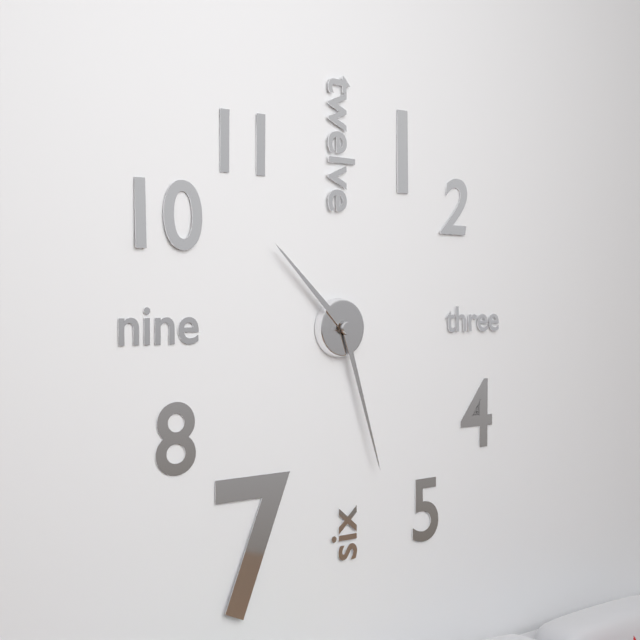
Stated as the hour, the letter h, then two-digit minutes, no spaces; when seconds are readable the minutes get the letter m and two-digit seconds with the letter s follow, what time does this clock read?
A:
10h27
